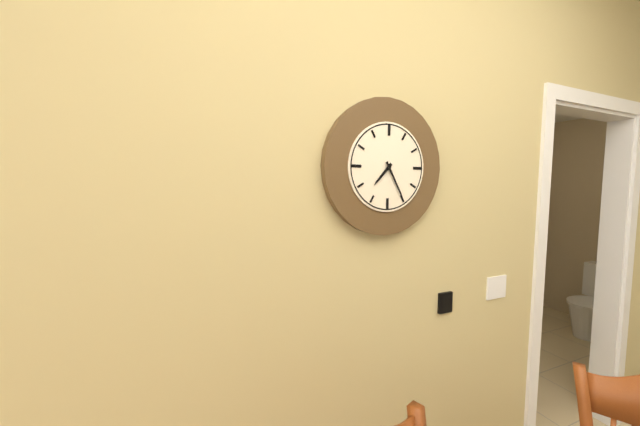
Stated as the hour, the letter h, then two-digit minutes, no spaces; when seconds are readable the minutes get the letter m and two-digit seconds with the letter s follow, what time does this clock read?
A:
7h25
